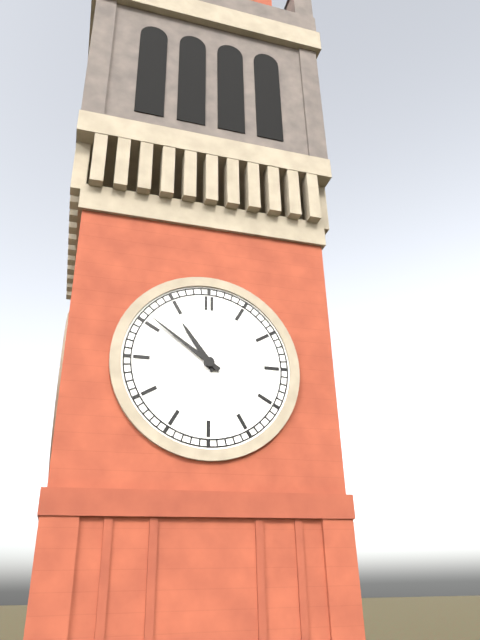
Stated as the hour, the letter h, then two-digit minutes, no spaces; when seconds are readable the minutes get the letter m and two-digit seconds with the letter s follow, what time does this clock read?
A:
10h51
